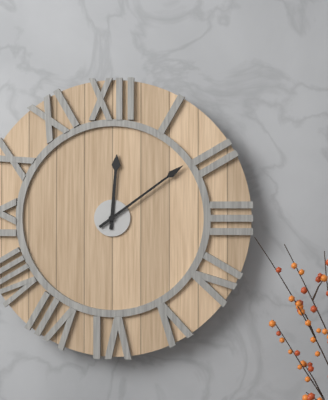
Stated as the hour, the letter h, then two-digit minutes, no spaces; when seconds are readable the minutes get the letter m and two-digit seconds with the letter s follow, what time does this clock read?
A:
12h09
